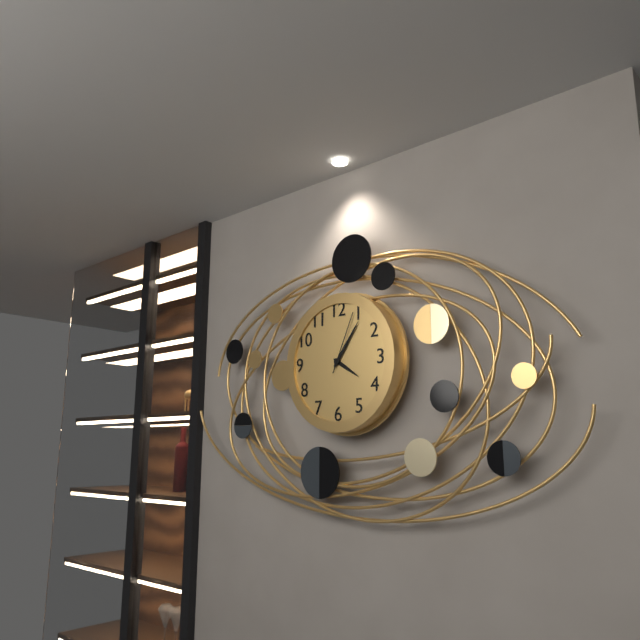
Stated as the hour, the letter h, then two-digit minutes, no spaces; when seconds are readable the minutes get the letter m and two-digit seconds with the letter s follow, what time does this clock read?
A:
4h06m04s
